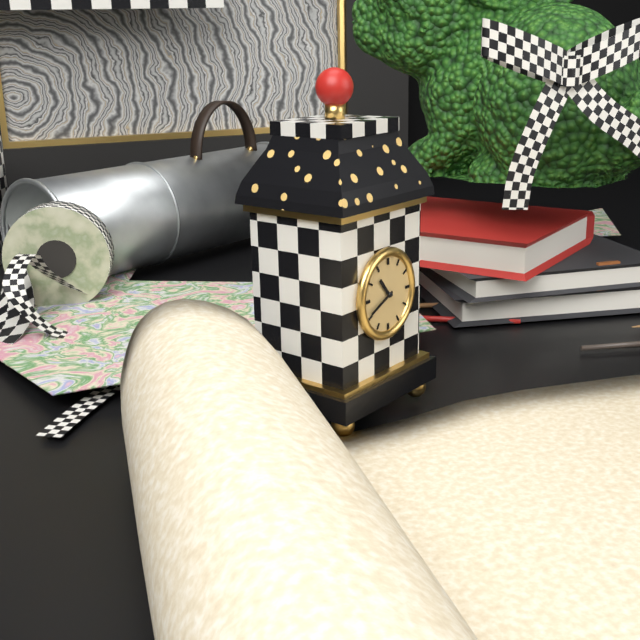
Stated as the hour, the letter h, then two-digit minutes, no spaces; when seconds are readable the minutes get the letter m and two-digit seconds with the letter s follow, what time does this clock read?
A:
10h41
